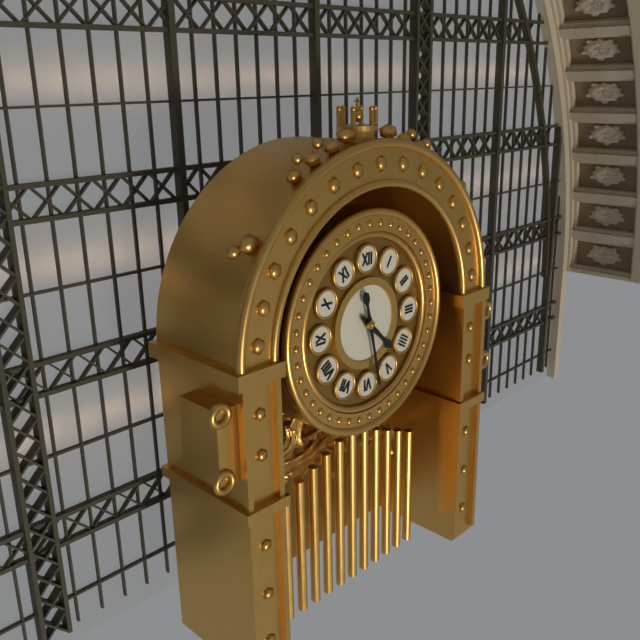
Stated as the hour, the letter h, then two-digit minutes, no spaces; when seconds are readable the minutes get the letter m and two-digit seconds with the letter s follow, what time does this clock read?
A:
4h28
